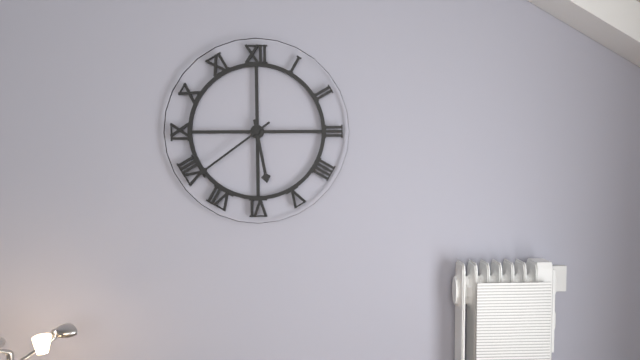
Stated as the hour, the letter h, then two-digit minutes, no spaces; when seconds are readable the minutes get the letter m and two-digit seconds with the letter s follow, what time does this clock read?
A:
5h39
